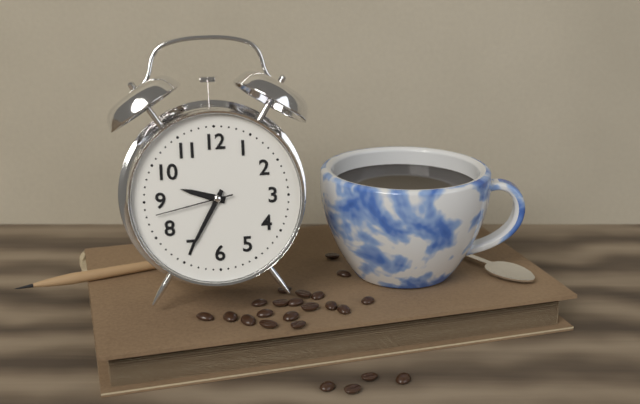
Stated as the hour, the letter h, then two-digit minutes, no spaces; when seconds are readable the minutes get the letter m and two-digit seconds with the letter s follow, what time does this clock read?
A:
9h35m43s
